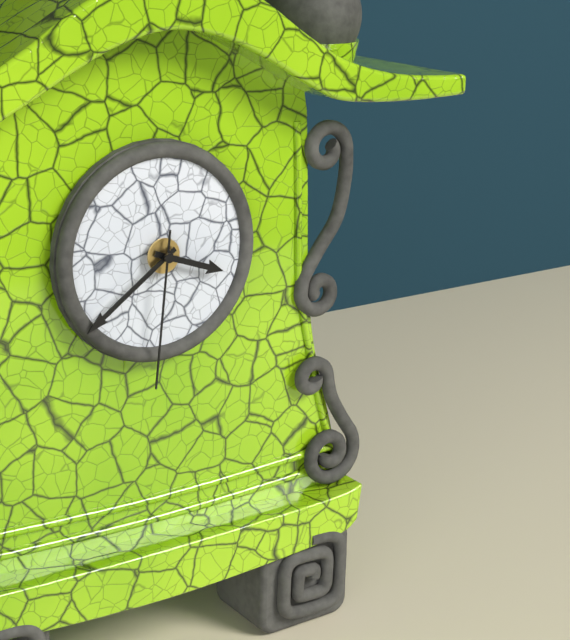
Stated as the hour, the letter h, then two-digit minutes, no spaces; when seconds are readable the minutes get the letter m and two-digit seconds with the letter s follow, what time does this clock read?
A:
3h39m31s
